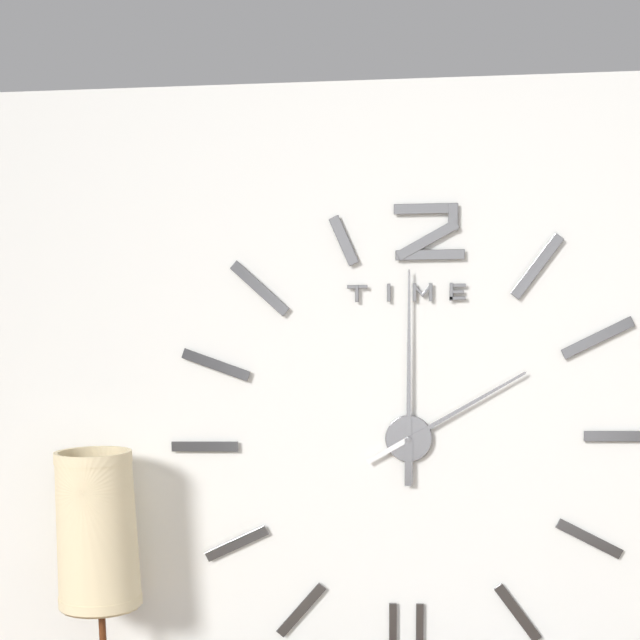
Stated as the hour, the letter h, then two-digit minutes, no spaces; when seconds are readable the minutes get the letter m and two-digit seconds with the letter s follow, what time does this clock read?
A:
2h00
